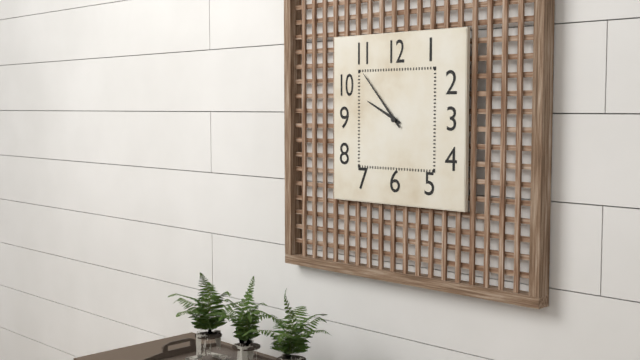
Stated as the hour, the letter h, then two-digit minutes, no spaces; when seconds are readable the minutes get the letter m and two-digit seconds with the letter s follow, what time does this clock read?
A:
9h53
